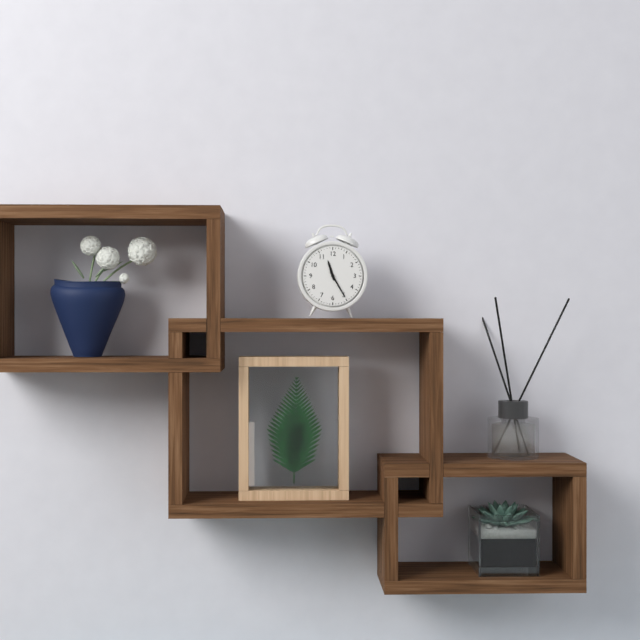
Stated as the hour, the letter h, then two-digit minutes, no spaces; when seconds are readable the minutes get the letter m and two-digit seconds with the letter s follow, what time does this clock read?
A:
11h25
